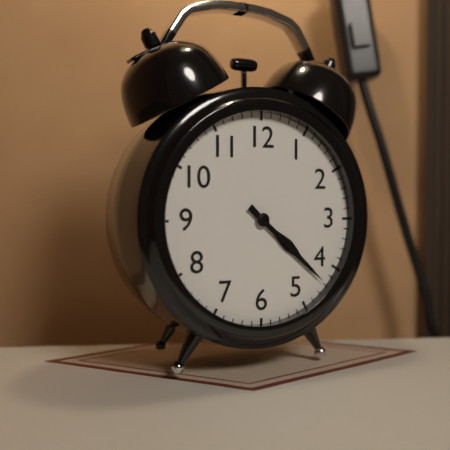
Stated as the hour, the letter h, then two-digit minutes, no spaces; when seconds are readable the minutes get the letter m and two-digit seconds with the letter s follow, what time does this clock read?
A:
4h22
